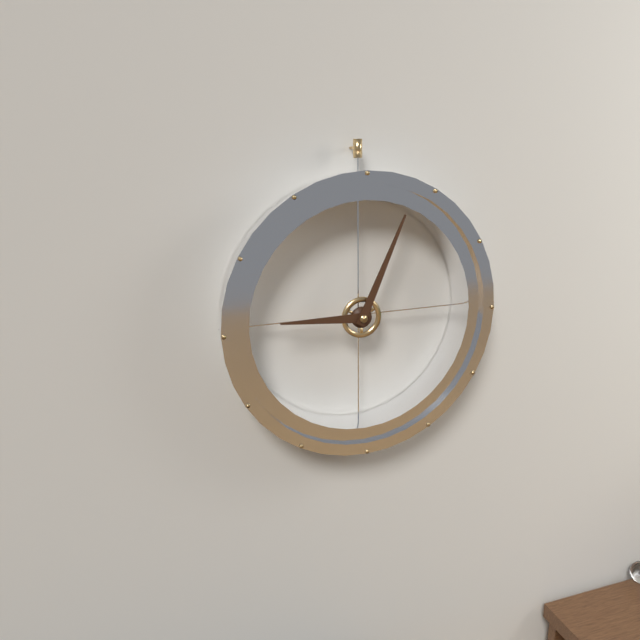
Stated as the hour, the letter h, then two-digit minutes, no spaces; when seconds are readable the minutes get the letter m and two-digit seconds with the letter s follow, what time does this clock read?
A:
9h04
